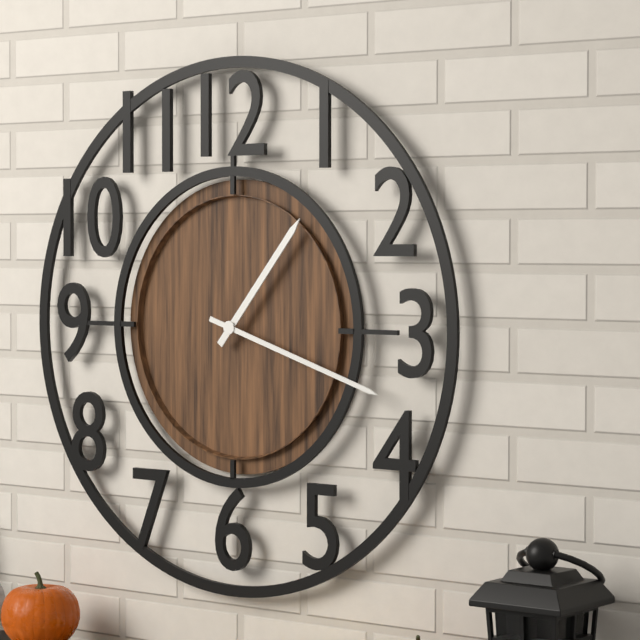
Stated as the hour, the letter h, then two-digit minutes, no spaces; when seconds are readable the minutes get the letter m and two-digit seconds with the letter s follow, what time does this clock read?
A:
1h18
